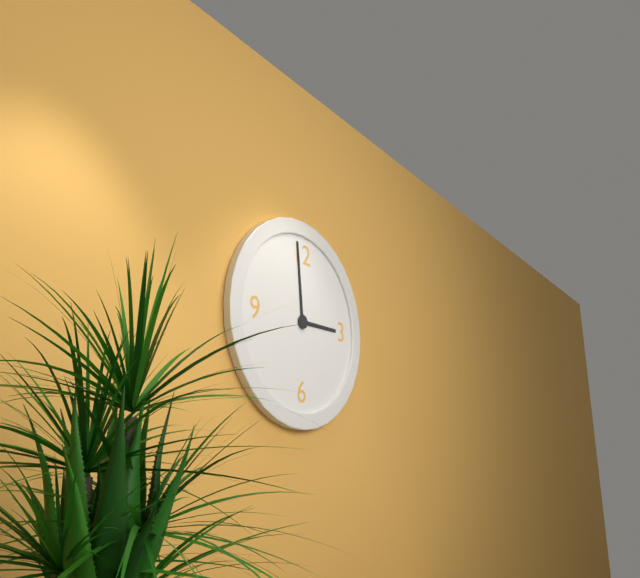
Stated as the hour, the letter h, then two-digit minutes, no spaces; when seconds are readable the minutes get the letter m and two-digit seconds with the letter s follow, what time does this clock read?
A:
2h59
